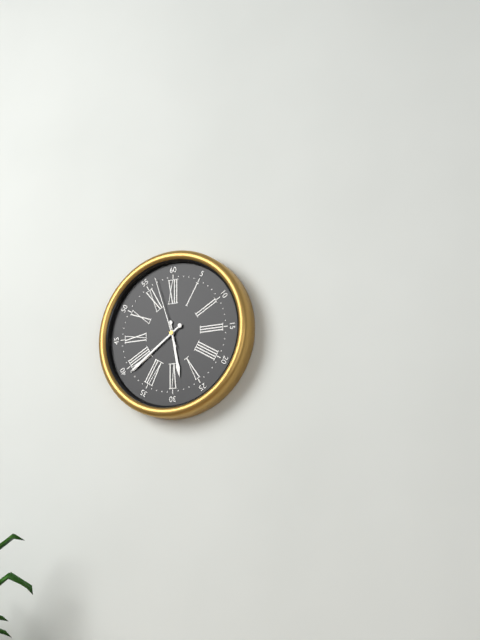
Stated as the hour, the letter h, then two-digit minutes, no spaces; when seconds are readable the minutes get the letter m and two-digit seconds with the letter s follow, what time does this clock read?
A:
5h39m57s
